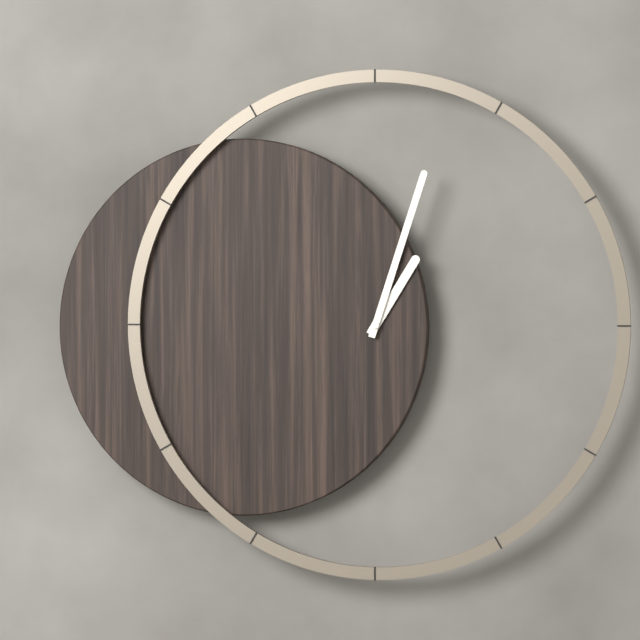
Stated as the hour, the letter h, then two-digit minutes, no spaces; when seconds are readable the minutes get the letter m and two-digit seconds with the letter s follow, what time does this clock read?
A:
1h03
